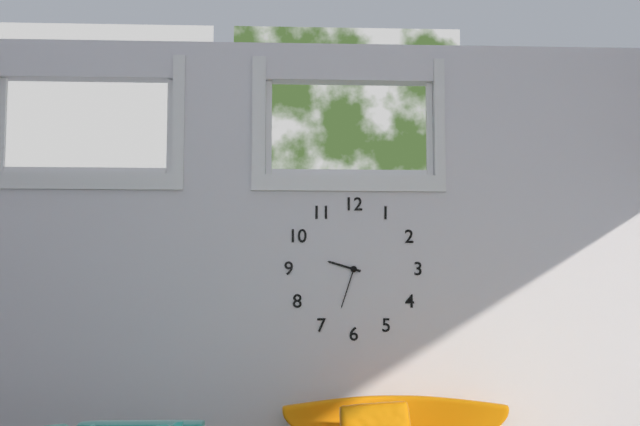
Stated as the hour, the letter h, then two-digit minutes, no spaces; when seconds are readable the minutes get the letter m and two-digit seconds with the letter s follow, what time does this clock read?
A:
9h33
